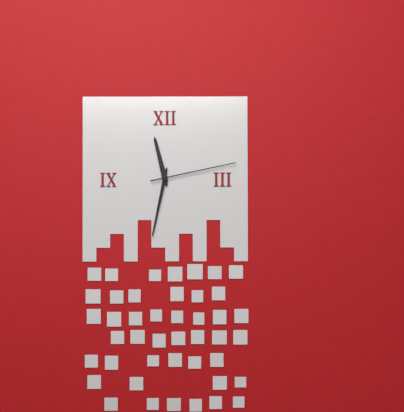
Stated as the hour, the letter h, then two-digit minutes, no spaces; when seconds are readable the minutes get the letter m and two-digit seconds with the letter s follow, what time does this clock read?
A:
11h32m13s
